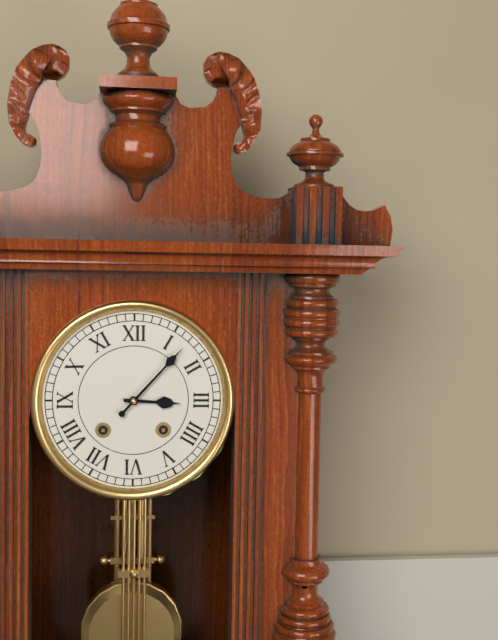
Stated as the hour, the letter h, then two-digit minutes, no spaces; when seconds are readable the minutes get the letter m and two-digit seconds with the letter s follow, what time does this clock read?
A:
3h07
